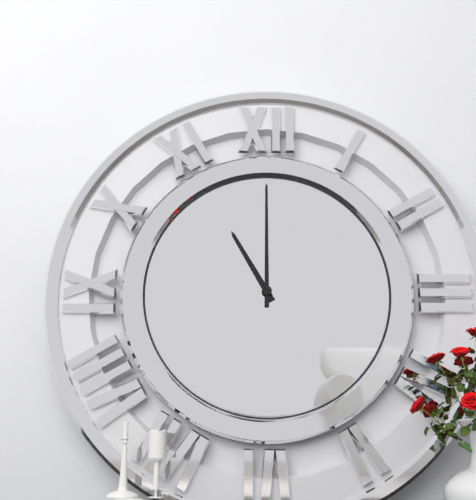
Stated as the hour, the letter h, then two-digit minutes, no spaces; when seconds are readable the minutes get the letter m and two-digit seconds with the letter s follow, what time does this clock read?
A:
11h00
